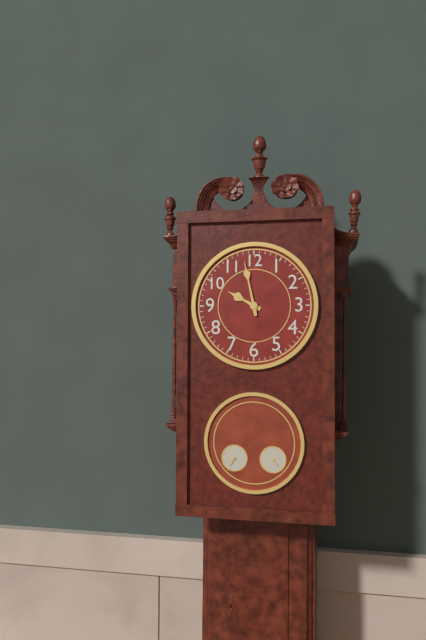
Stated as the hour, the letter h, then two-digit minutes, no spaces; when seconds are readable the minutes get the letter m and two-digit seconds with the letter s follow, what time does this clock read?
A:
9h58
